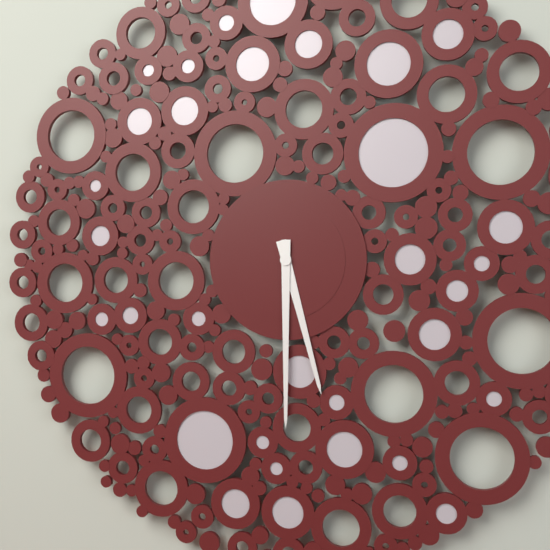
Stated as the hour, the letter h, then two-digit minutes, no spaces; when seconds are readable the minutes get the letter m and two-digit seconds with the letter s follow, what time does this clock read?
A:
5h30
